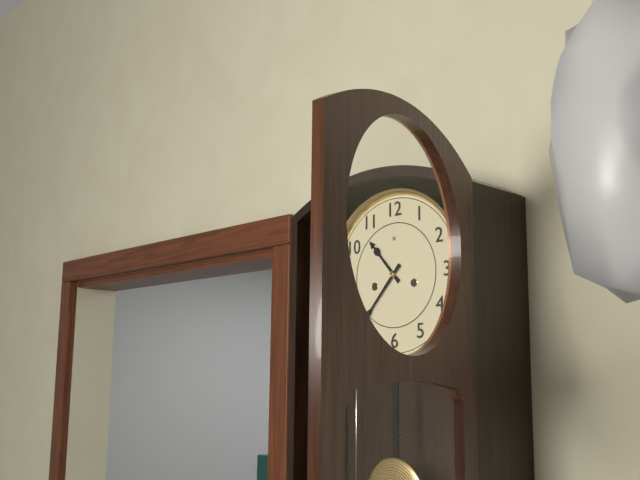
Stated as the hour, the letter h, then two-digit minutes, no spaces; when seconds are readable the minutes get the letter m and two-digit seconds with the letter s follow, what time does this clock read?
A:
10h37
